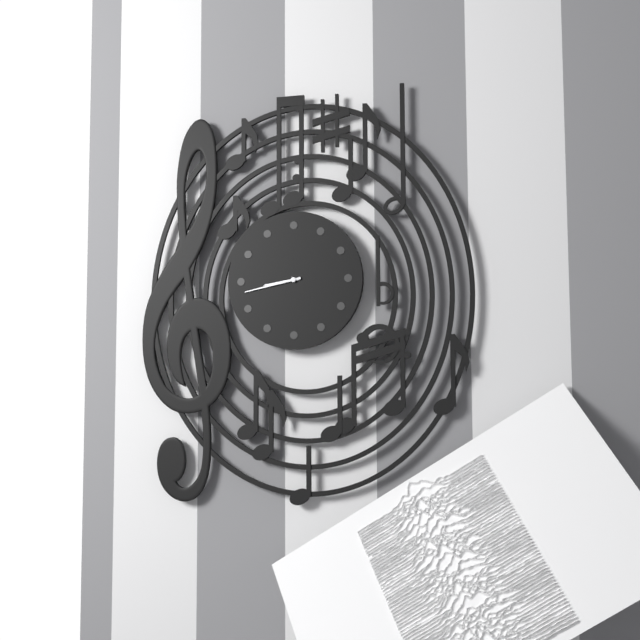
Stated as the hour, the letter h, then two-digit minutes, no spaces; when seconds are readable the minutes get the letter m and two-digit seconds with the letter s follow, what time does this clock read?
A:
8h43
